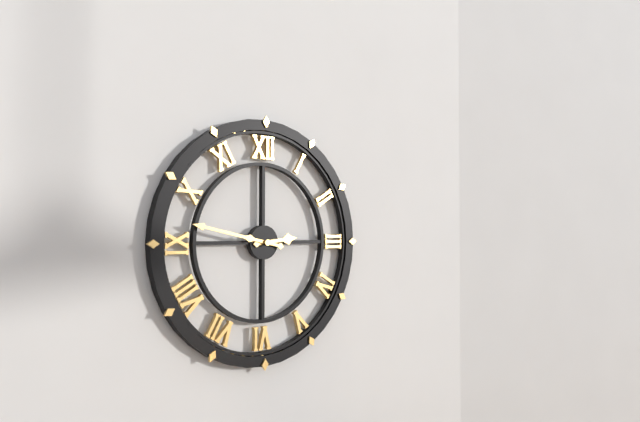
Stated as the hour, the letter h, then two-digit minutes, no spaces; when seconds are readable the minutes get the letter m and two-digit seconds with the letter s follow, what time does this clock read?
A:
2h47
